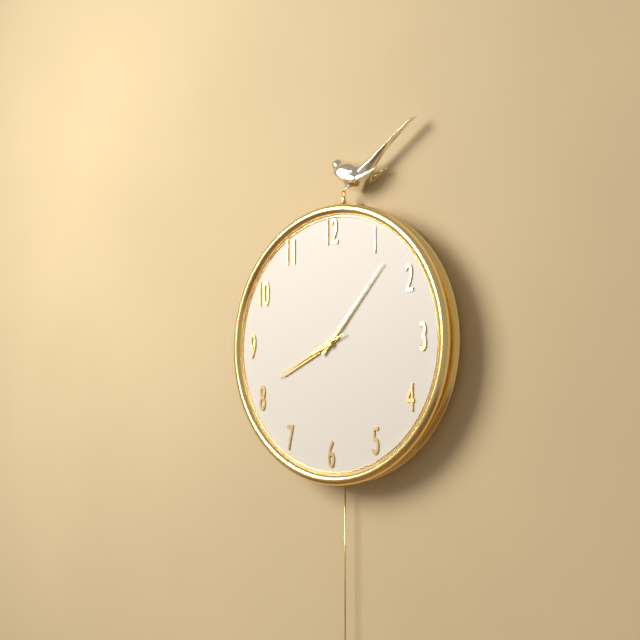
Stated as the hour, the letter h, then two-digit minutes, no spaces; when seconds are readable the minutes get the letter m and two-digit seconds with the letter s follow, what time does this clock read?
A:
8h07m41s
